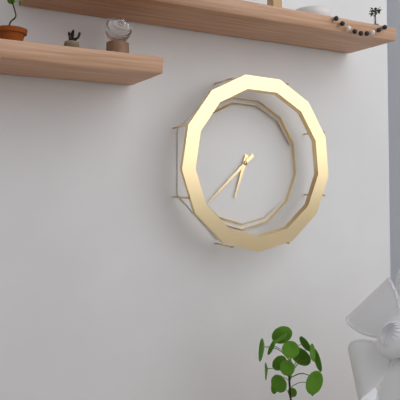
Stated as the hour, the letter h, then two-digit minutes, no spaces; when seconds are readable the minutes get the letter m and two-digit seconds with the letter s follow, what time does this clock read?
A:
6h38
